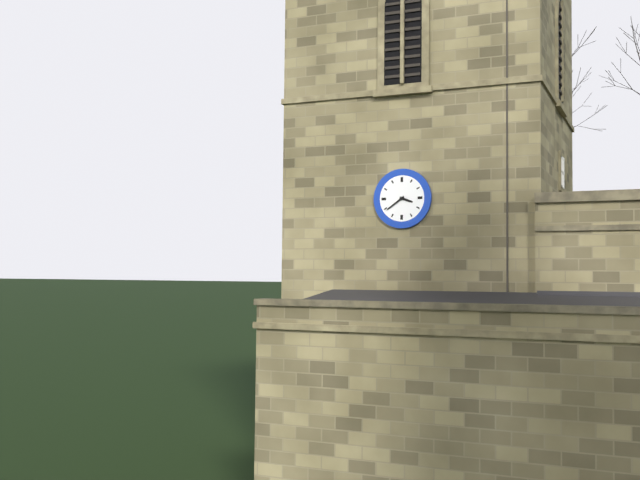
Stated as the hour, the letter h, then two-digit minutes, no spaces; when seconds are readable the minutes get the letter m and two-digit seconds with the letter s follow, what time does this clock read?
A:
3h39
